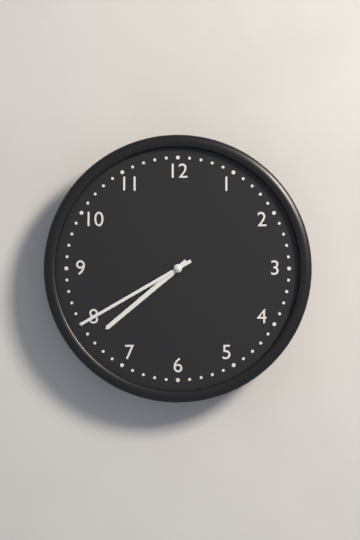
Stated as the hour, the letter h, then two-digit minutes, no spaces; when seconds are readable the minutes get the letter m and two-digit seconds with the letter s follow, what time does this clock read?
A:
7h40
